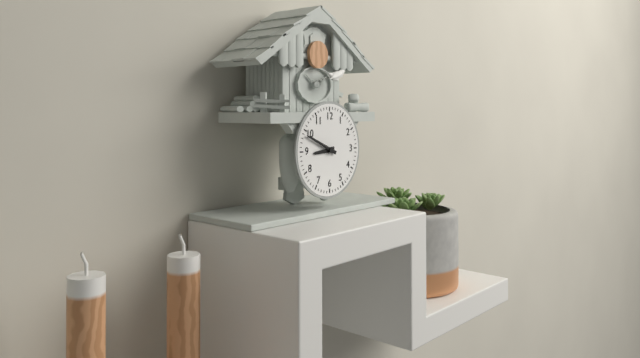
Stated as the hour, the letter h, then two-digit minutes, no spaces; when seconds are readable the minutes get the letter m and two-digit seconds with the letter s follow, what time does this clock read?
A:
8h49
